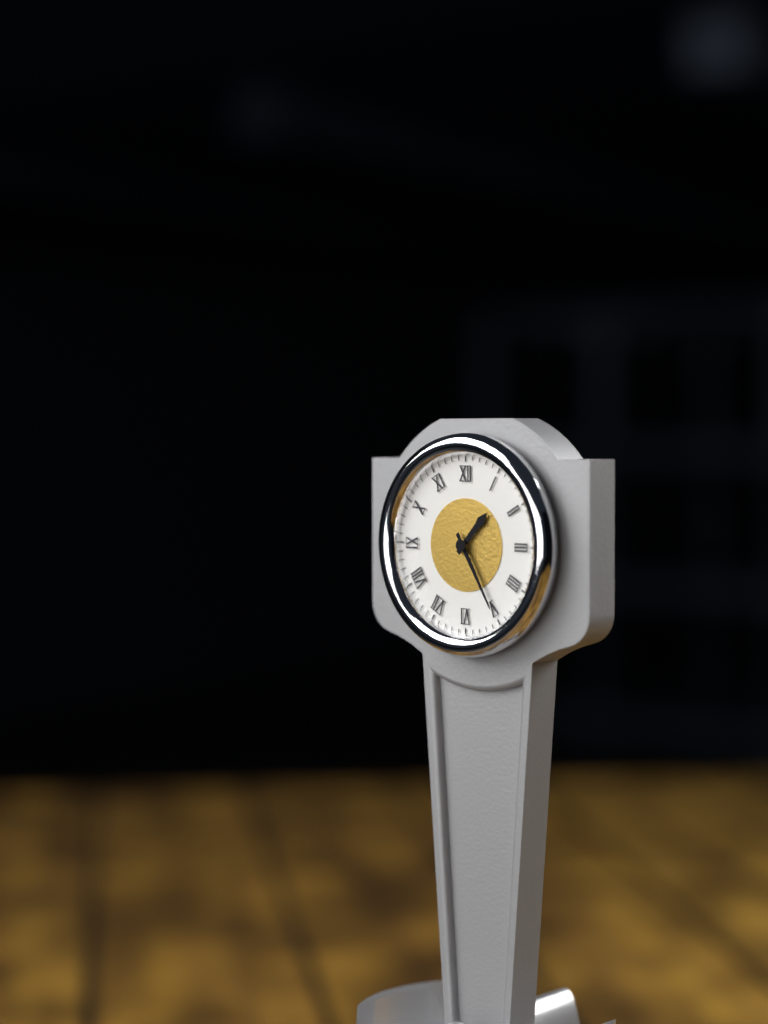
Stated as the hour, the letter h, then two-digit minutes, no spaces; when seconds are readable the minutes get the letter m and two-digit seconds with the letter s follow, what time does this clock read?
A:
1h25
